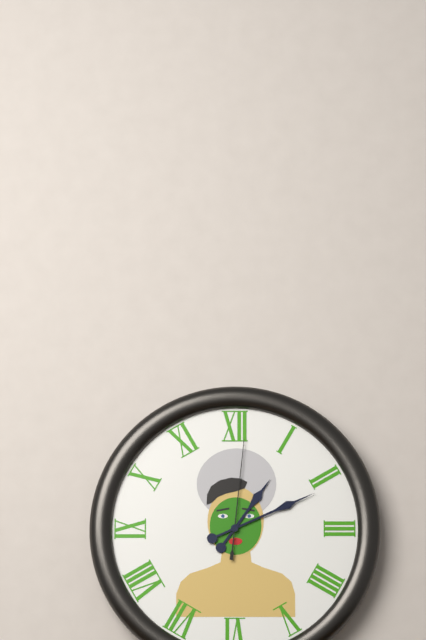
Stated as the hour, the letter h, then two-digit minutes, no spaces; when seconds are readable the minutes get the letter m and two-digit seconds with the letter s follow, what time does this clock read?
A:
1h11m01s
